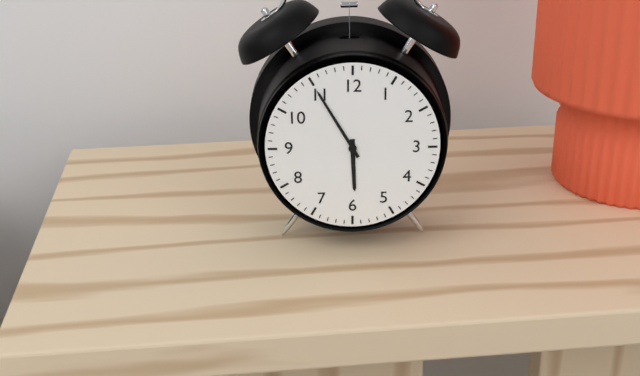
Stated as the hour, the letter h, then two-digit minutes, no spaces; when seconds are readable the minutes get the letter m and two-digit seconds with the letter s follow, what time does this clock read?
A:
5h55
